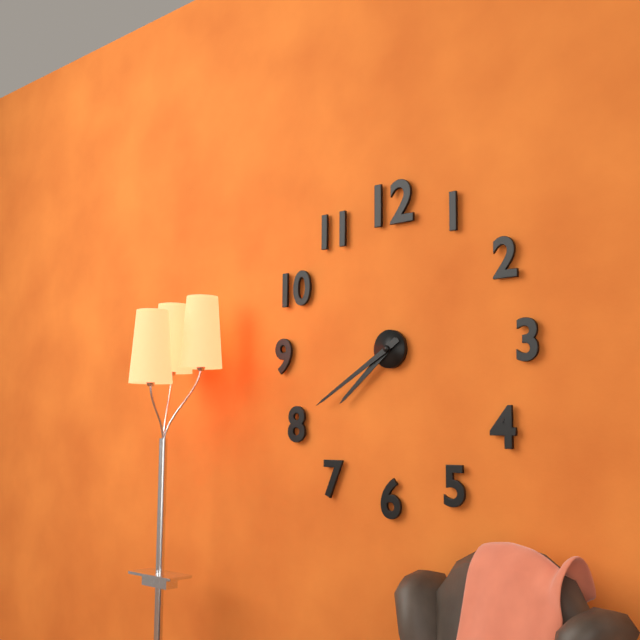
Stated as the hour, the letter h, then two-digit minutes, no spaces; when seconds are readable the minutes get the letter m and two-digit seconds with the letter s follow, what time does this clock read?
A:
7h40
